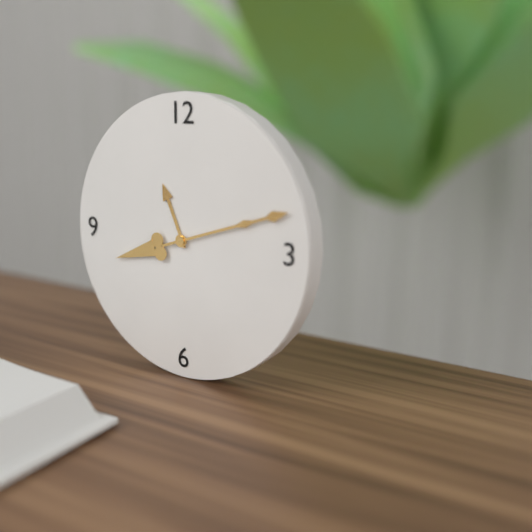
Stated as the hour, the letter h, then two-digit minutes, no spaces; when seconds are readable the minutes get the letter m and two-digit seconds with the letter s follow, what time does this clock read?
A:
11h12
